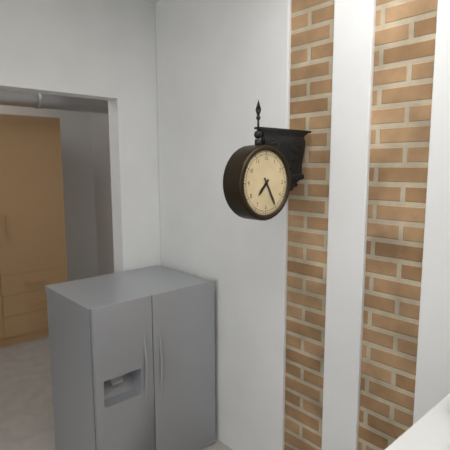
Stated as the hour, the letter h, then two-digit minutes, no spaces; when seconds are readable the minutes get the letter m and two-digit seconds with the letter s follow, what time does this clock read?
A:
7h25
